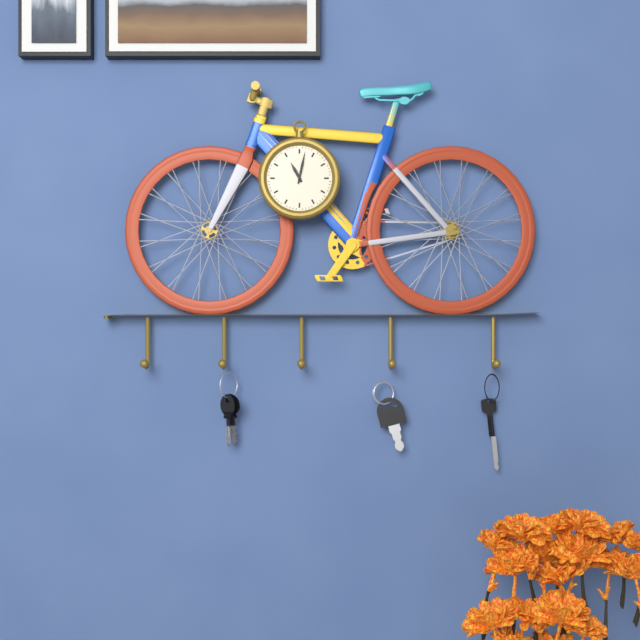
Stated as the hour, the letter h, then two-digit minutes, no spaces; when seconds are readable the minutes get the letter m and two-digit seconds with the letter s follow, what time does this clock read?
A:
11h02
